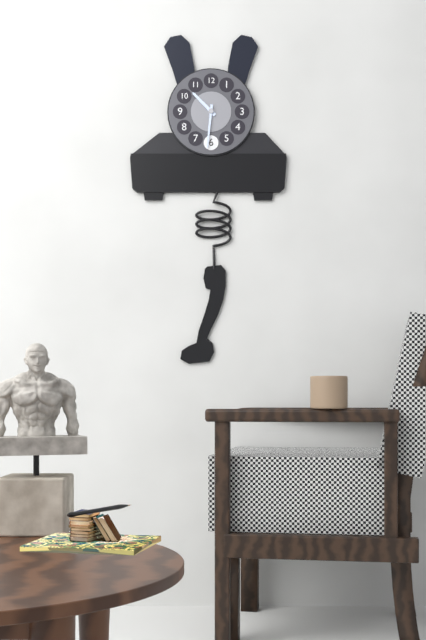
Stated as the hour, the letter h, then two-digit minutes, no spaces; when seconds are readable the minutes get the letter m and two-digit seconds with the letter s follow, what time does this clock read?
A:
10h31
